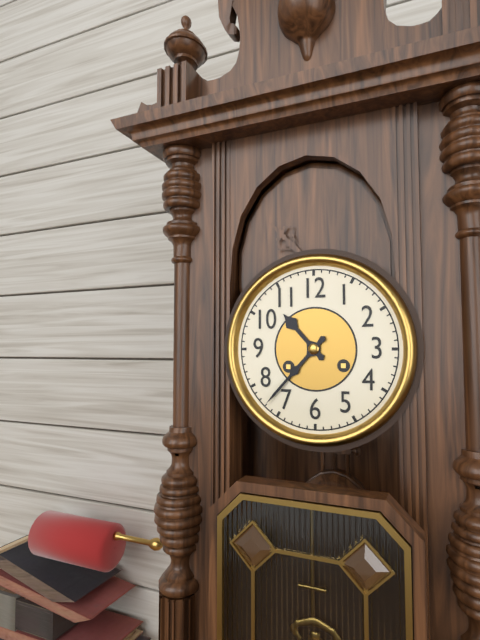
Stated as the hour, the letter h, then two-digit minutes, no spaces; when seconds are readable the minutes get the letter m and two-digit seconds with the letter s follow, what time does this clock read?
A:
10h37
